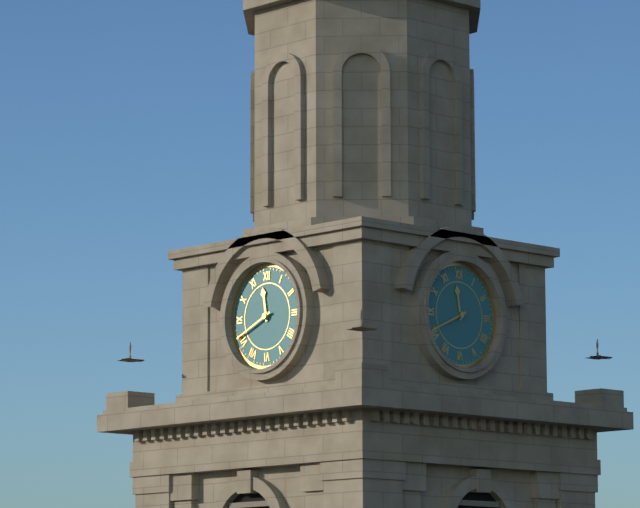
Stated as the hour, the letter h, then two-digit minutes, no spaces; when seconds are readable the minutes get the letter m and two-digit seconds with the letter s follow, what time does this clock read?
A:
11h41
